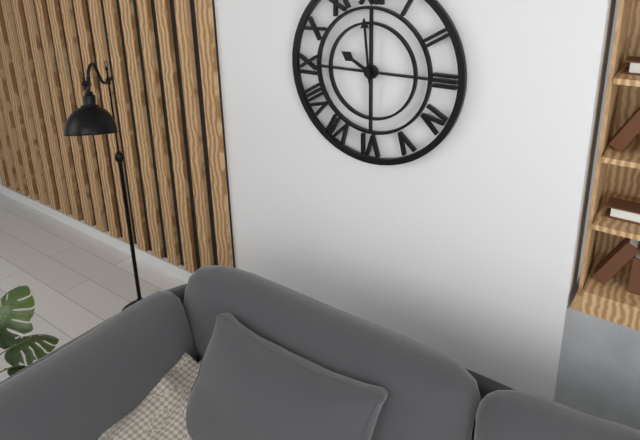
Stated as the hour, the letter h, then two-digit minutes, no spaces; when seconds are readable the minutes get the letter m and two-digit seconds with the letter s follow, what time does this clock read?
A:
9h59
